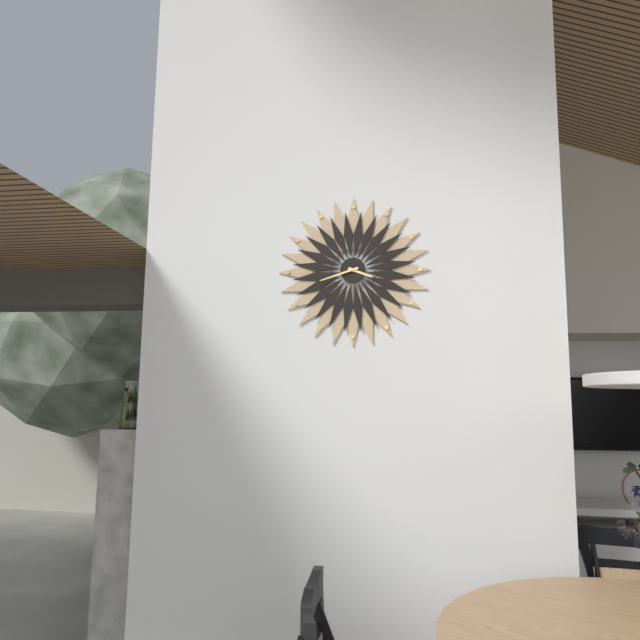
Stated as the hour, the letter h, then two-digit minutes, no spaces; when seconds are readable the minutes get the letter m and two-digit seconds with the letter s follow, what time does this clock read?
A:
3h42
